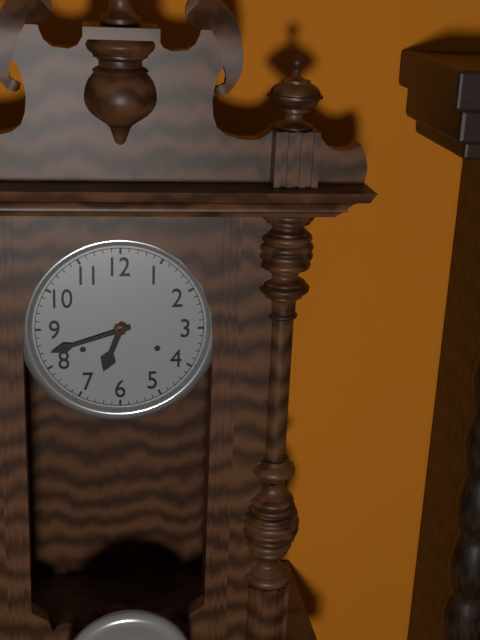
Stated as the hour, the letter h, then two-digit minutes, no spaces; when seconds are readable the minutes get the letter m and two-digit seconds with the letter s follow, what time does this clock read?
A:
6h42
